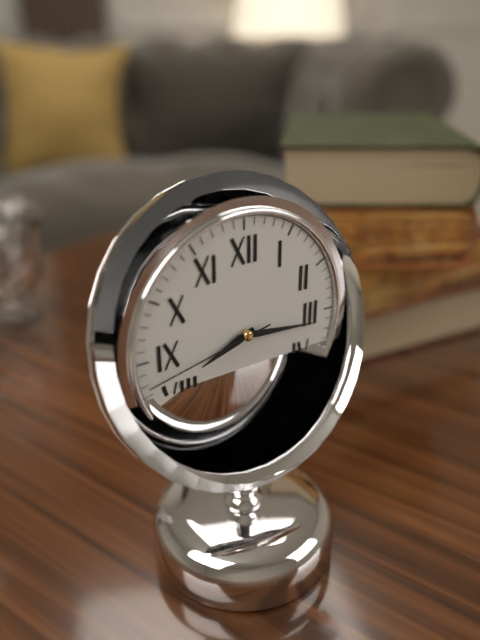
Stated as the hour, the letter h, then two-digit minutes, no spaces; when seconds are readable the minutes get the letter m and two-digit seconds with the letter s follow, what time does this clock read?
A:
8h16m43s
